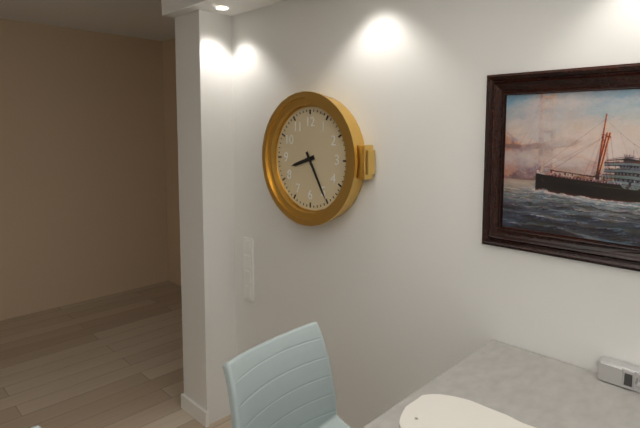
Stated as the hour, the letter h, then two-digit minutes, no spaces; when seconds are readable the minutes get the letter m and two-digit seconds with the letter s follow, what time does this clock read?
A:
8h25
